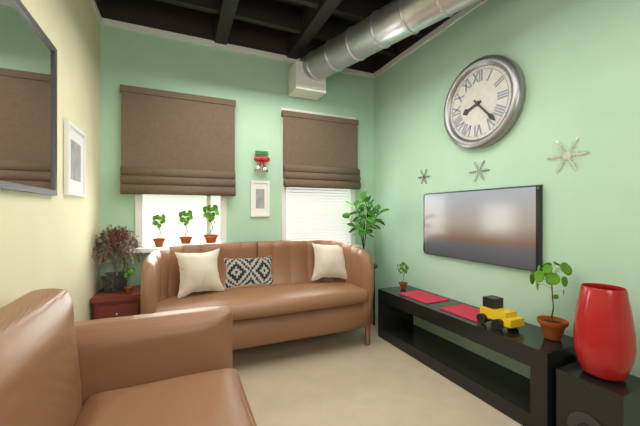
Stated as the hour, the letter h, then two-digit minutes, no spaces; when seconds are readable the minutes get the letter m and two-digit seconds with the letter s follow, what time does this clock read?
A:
8h23
